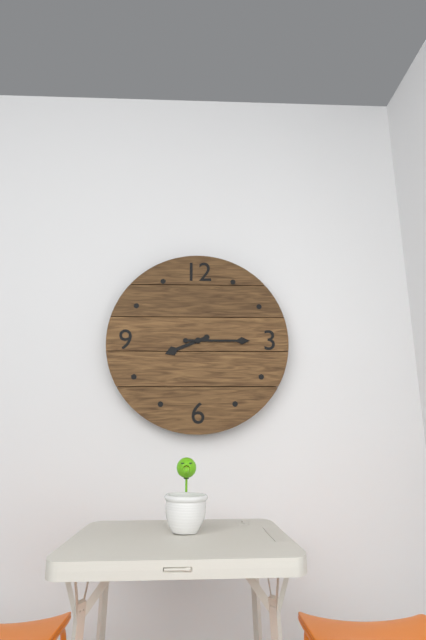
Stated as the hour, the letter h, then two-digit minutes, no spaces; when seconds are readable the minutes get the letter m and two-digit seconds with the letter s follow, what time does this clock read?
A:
8h15
